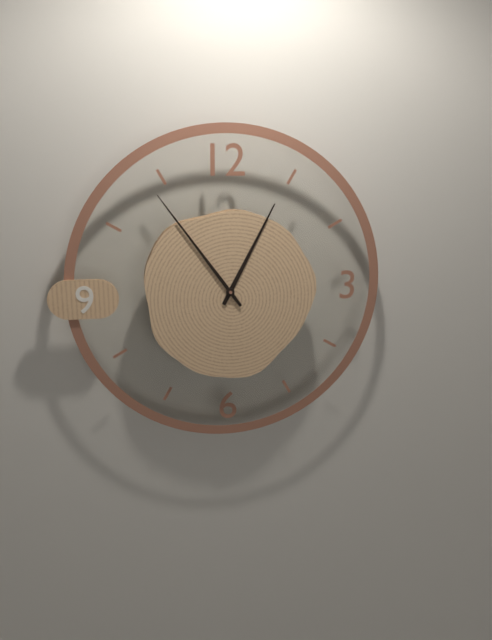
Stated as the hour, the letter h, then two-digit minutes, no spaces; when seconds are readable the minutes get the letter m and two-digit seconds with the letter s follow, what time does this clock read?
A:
12h54
